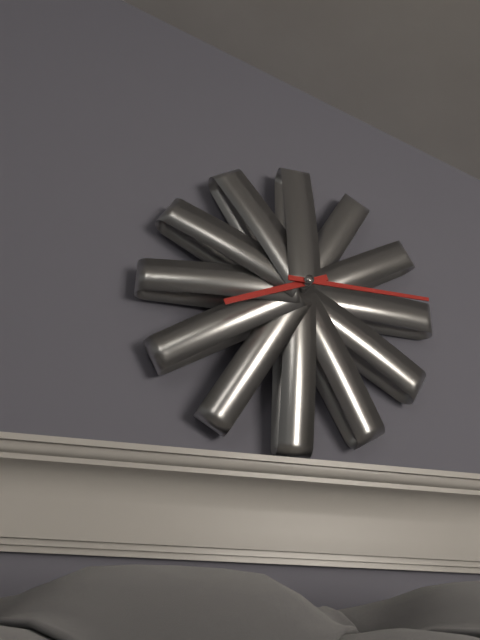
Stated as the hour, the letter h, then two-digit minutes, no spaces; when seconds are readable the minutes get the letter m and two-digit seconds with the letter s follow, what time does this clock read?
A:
8h15
